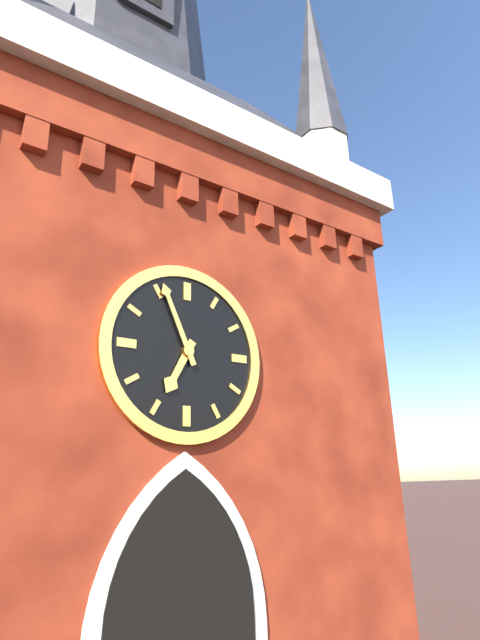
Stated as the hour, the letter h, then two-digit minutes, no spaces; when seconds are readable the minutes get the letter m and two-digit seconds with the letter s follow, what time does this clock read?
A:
6h56
